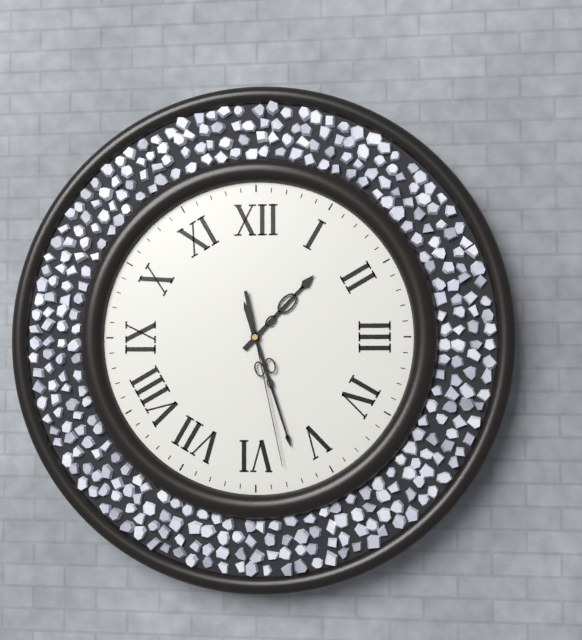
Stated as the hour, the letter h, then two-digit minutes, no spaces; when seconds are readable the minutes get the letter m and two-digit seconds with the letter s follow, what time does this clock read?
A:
1h27m28s
